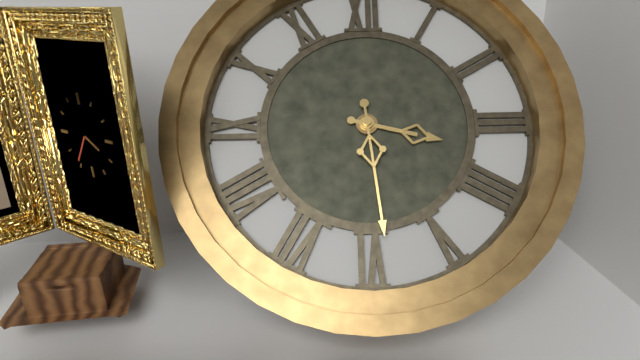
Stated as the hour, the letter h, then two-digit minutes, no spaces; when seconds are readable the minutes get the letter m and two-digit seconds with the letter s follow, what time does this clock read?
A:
3h29
